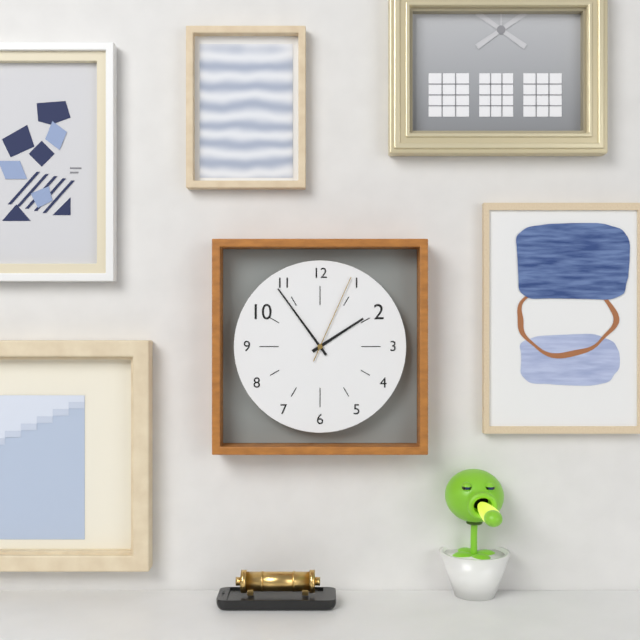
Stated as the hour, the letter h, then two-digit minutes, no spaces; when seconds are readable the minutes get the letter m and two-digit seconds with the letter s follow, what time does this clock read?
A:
1h54m04s
